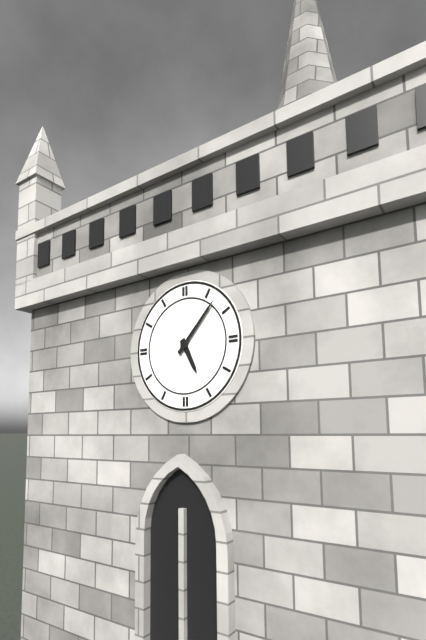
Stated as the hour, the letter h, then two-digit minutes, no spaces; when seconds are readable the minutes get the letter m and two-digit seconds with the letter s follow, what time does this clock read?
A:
5h07
